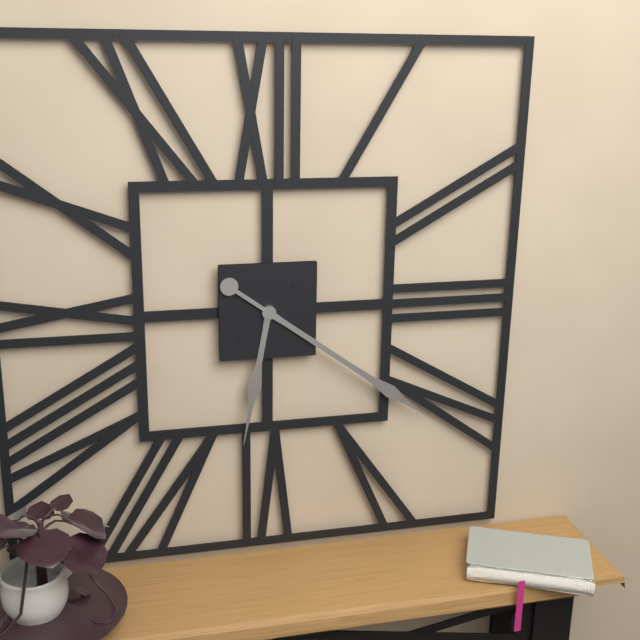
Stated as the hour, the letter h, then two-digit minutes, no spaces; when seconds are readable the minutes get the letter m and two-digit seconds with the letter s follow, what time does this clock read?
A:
6h21
